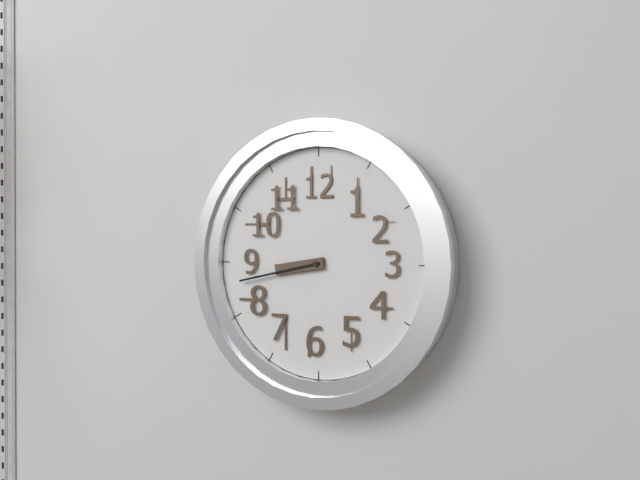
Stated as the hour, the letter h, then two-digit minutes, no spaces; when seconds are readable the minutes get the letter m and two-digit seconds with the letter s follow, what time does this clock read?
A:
8h43
